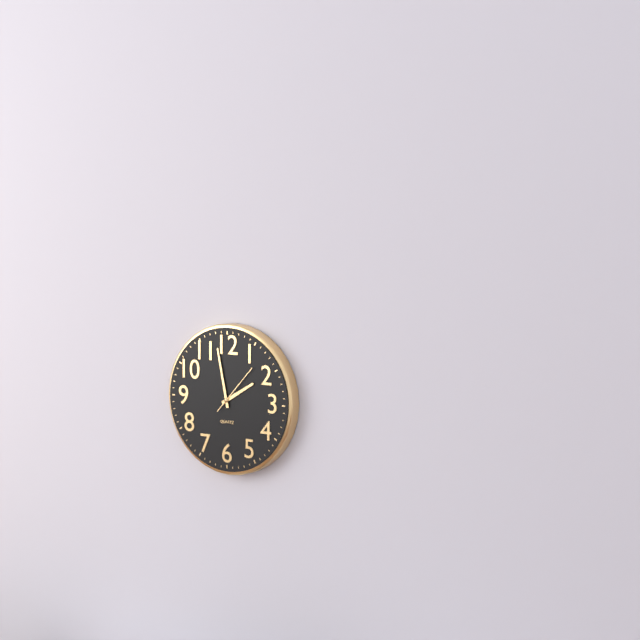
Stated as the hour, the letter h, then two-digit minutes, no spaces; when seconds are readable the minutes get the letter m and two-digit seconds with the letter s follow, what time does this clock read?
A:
1h58m07s
